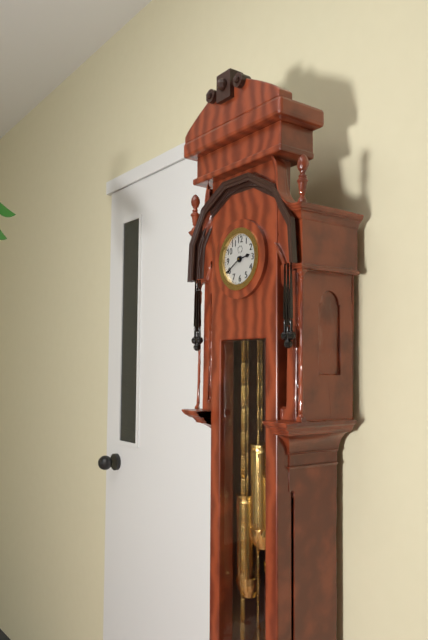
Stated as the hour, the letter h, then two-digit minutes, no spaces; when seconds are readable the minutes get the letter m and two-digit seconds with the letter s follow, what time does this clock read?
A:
2h40
